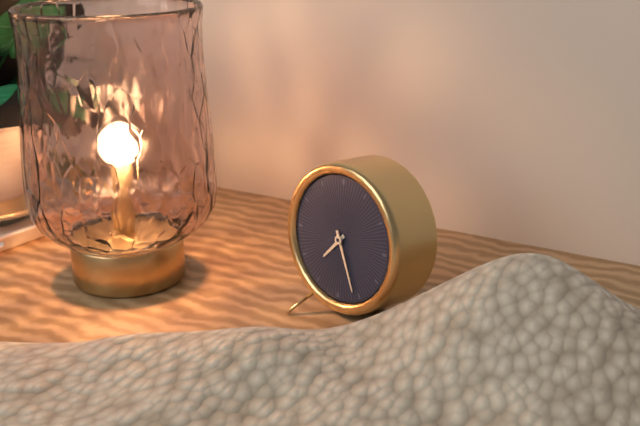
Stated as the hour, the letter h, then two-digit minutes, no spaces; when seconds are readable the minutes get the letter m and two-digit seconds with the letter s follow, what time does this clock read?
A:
7h26
